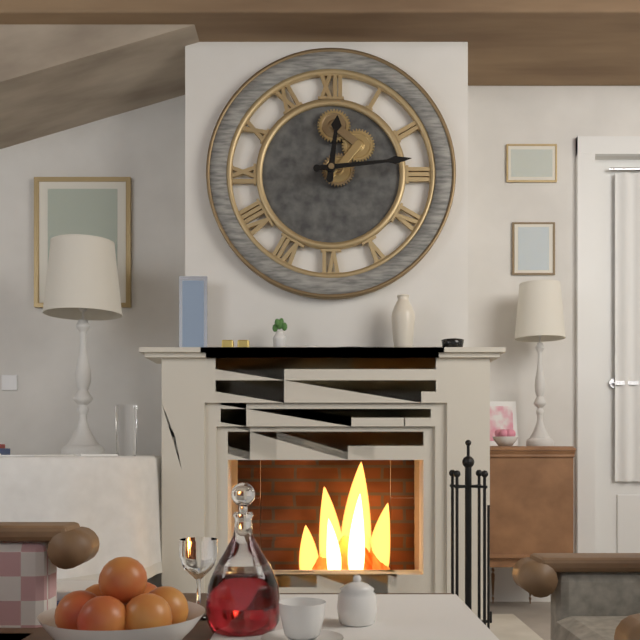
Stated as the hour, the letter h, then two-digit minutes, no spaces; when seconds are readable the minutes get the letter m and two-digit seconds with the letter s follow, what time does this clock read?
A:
12h14
